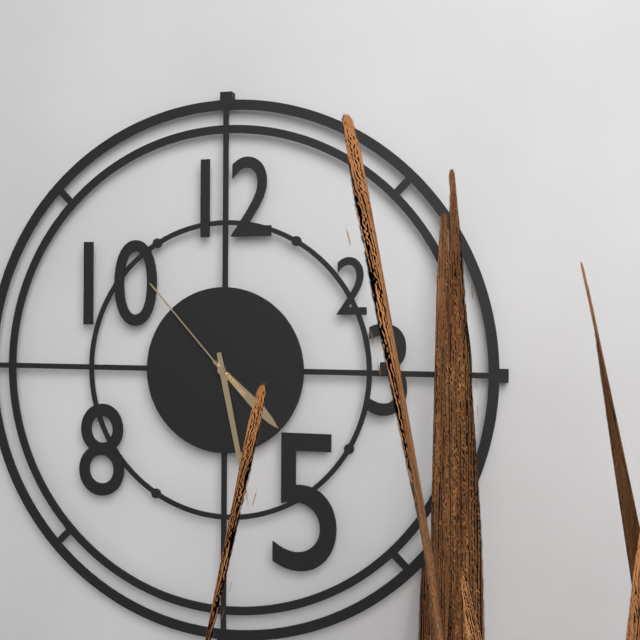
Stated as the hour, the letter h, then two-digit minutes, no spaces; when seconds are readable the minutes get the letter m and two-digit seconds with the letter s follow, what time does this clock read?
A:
4h28m53s
